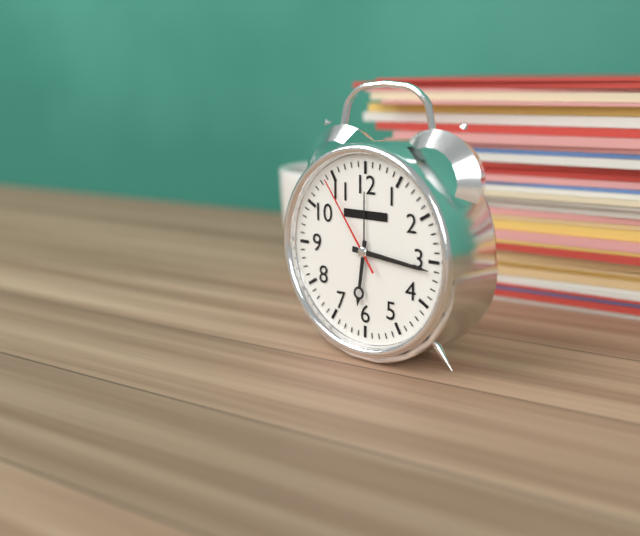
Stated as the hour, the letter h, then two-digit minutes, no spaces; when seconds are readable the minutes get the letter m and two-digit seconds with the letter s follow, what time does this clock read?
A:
6h16m54s
